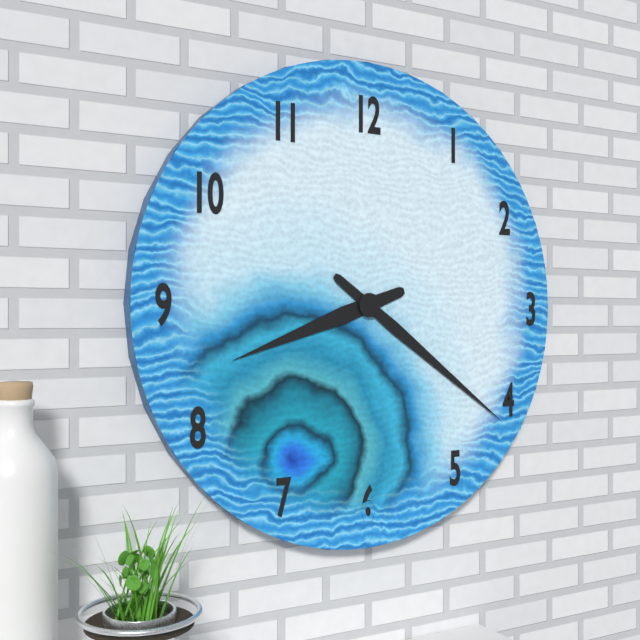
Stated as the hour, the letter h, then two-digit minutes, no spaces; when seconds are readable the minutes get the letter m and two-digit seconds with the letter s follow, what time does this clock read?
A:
8h21
